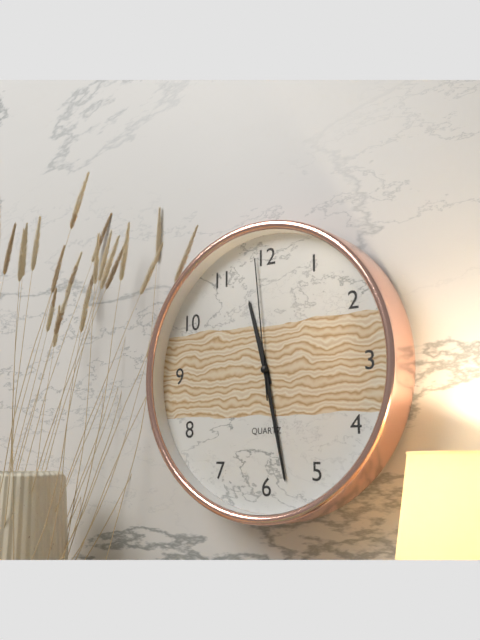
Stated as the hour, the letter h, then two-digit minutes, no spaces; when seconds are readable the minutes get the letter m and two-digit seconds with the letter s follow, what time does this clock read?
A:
11h28m59s
